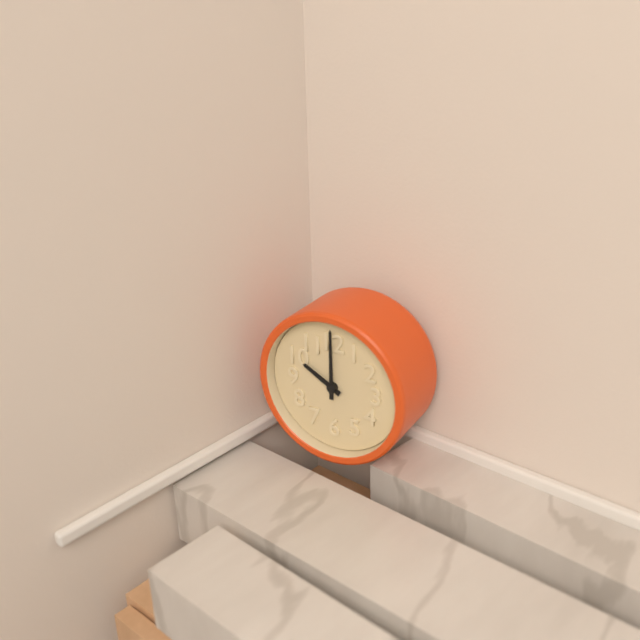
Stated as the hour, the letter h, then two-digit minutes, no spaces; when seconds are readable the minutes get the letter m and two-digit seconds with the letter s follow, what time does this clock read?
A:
10h00
